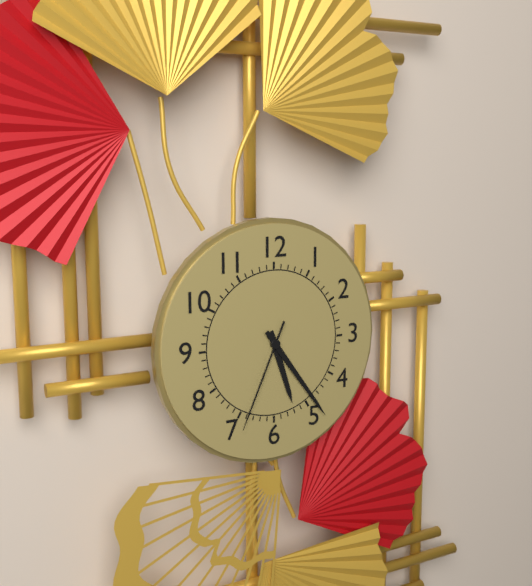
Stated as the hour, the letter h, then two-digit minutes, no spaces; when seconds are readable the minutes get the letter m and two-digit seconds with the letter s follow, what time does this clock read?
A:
5h24m34s
